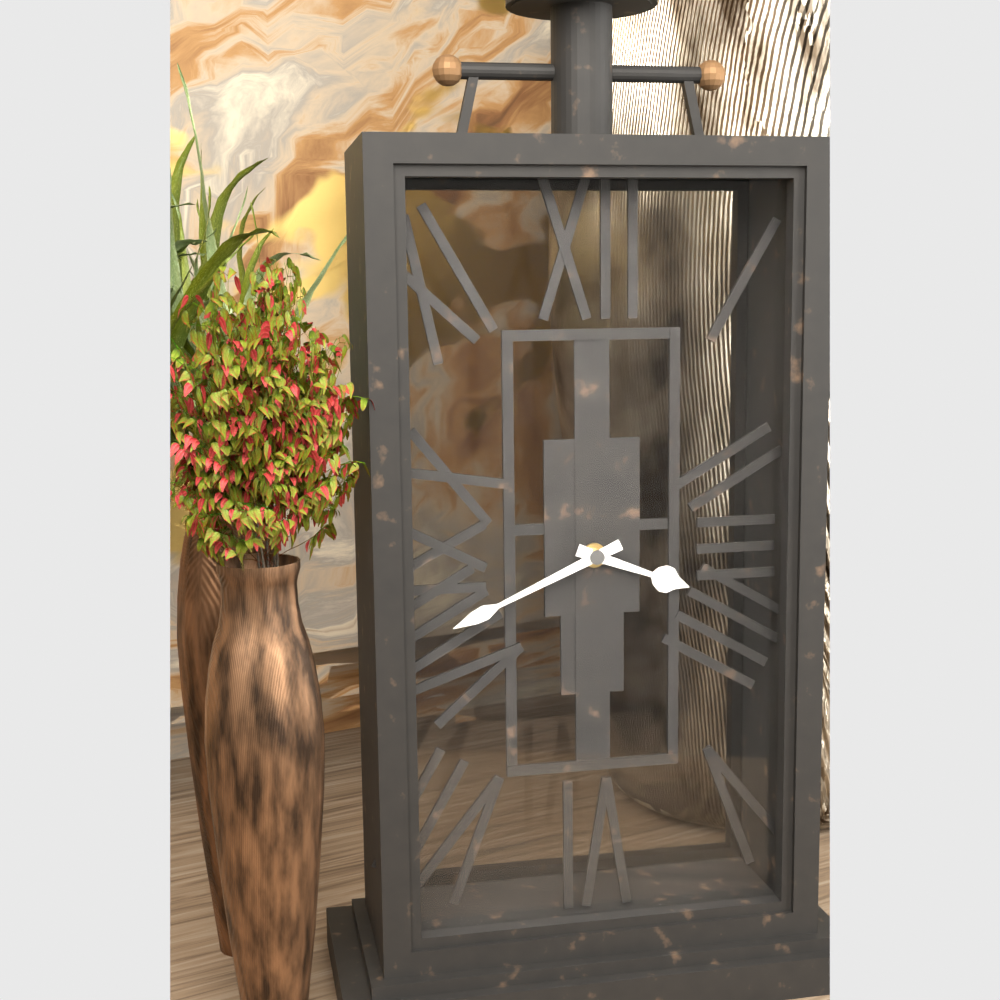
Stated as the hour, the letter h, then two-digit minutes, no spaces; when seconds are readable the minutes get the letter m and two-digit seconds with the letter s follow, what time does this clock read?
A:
3h41
